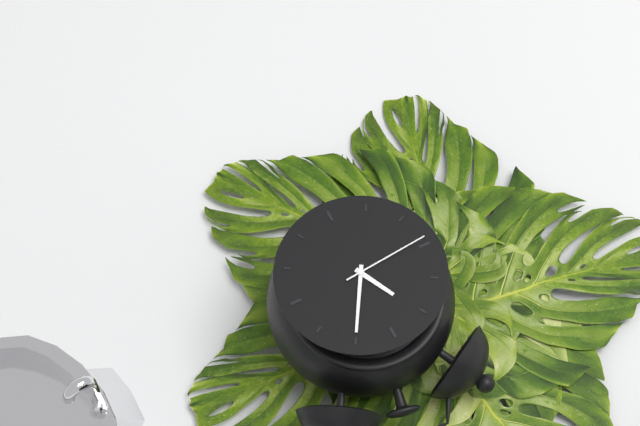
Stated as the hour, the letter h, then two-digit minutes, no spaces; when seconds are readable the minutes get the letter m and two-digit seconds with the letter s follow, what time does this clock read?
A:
11h05m44s
